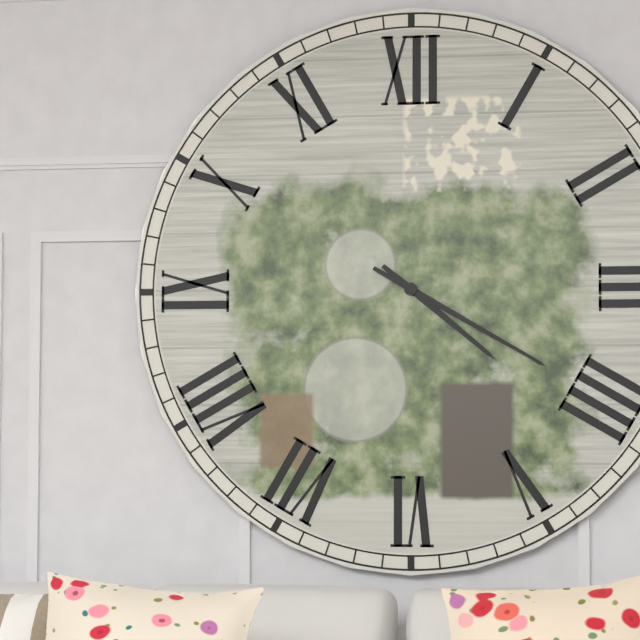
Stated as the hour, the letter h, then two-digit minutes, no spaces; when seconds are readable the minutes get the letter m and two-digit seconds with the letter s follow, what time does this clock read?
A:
4h20
